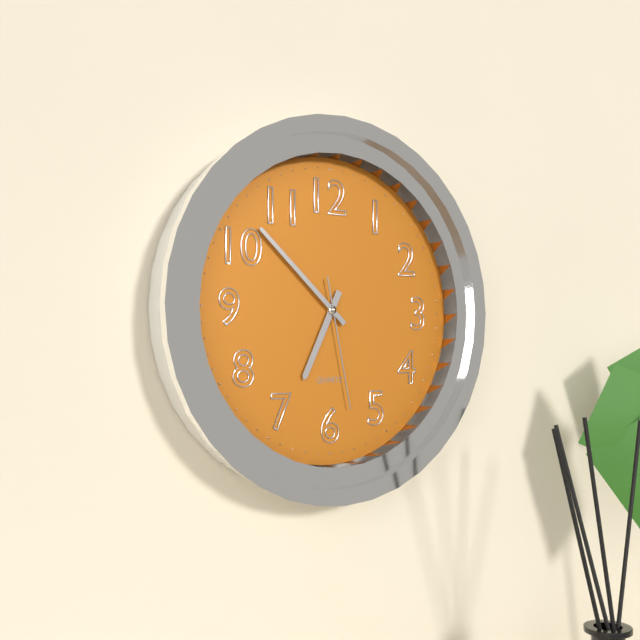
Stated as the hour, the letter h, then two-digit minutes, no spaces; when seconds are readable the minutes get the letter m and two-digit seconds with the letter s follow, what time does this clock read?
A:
6h52m28s
